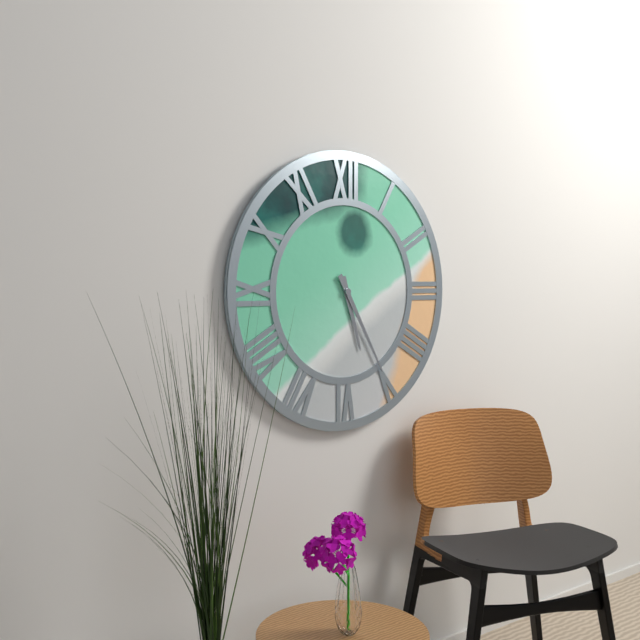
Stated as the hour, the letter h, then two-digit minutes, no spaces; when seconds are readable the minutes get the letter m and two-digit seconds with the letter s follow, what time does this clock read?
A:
5h25
